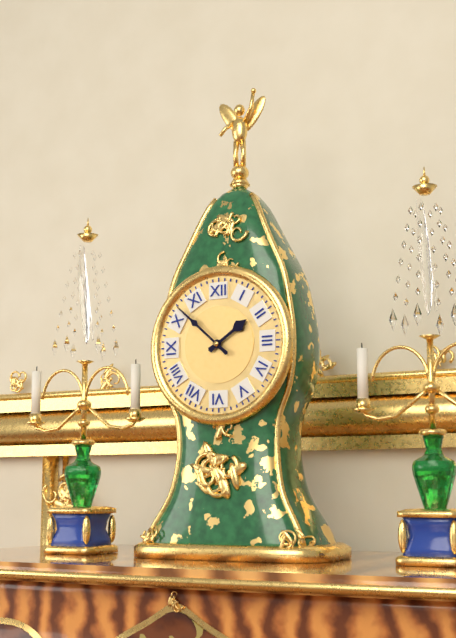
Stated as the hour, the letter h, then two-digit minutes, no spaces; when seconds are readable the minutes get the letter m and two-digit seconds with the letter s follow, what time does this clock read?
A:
1h52
